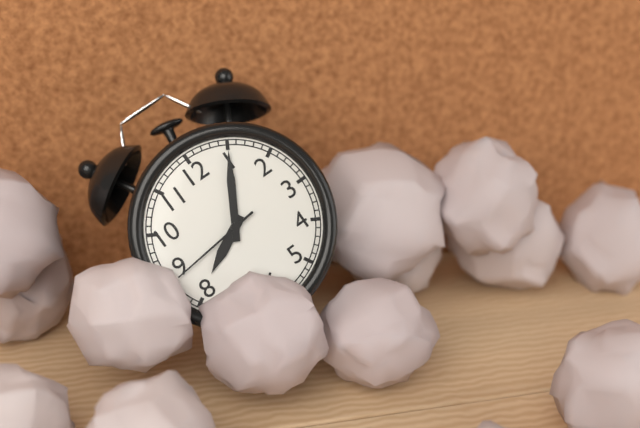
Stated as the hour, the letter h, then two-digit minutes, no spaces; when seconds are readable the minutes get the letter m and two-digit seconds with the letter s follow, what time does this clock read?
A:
8h05m44s
